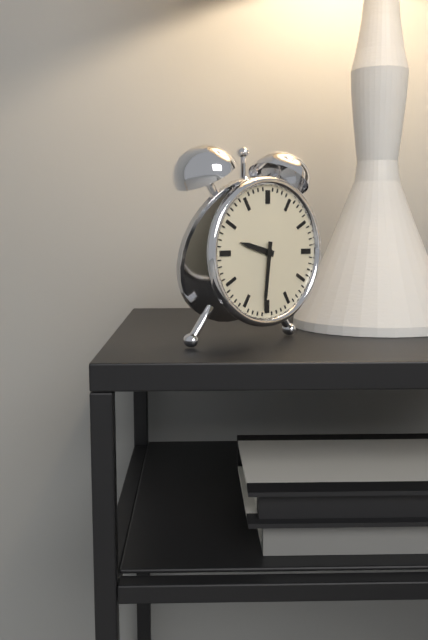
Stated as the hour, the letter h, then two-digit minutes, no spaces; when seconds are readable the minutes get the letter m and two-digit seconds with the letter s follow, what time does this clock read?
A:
9h31
